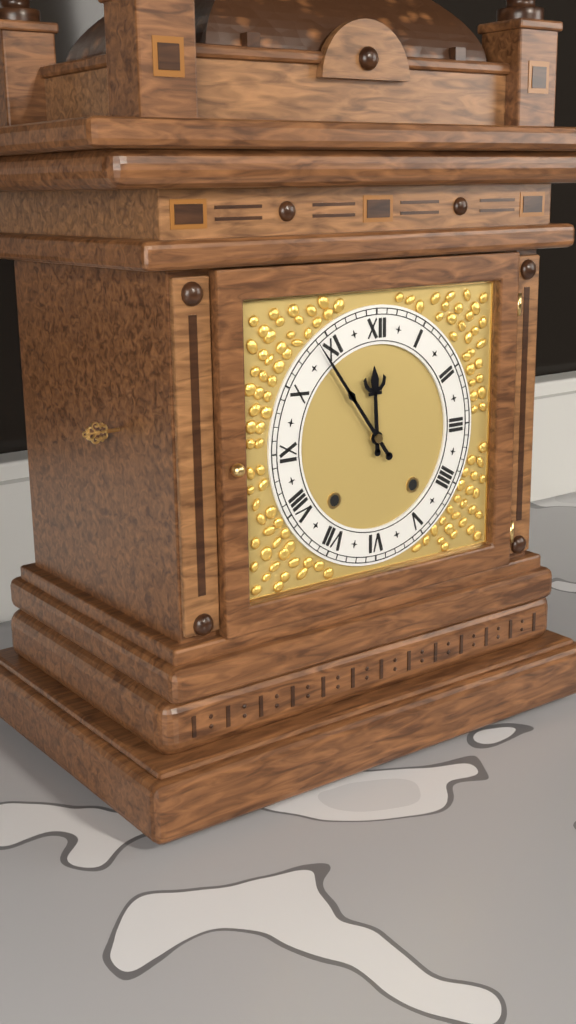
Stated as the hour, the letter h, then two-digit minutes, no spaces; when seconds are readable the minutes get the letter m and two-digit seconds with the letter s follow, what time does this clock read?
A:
11h54
